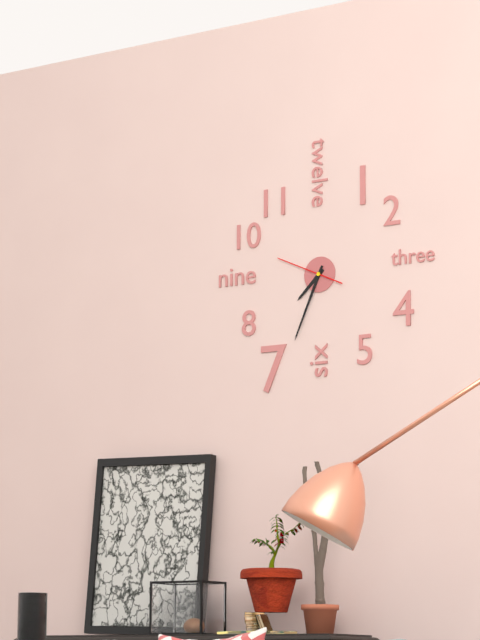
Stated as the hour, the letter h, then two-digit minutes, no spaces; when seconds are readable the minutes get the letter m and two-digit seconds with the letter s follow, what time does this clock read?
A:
7h34m49s
